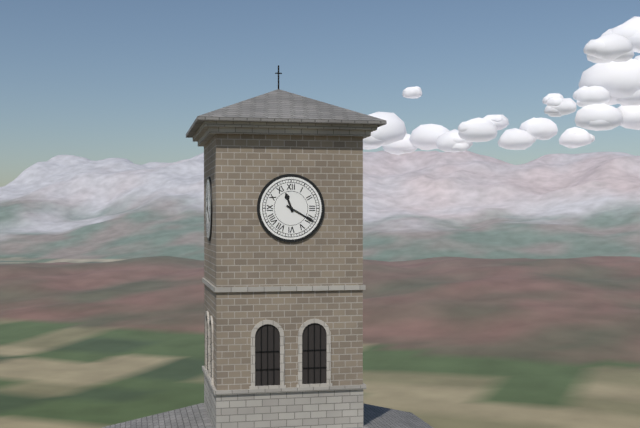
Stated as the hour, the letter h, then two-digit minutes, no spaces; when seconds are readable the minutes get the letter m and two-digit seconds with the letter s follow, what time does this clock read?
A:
11h20
